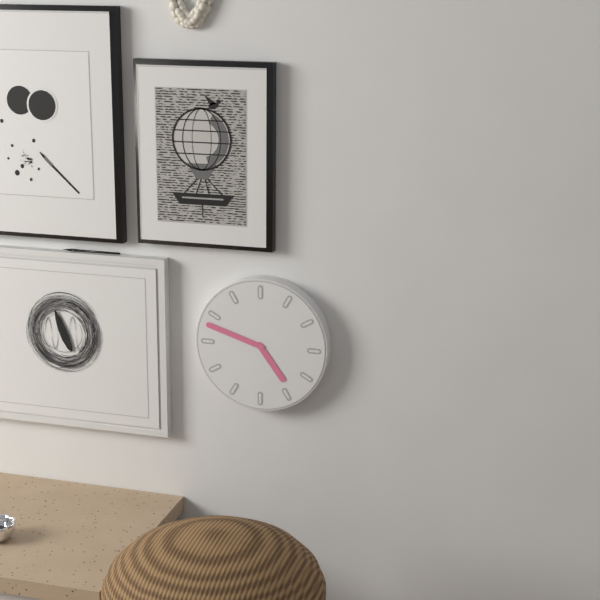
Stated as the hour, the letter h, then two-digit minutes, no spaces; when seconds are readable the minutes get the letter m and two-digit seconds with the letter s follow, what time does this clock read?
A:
4h48
